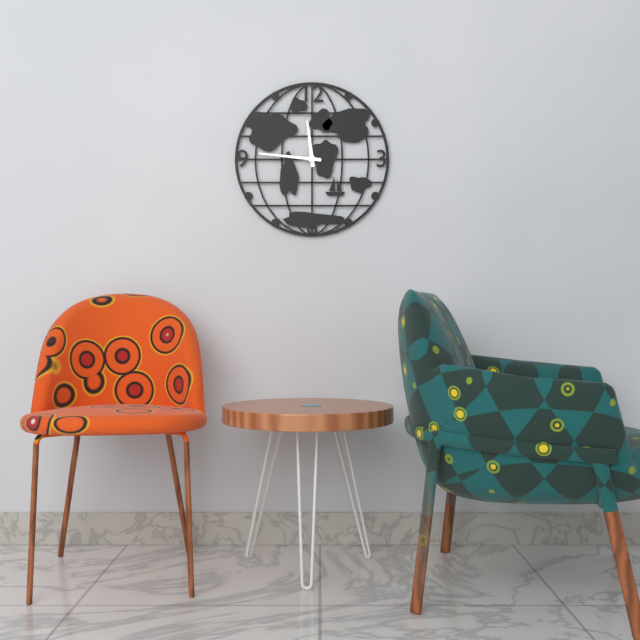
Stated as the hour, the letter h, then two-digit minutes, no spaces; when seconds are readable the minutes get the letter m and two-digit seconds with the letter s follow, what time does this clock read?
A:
11h46
